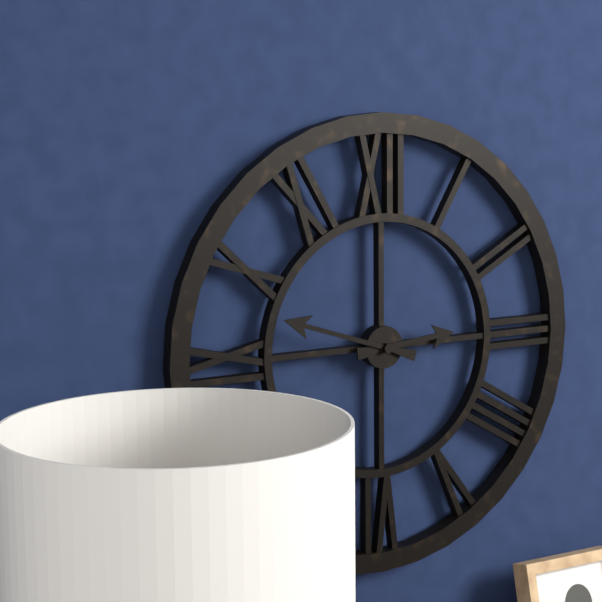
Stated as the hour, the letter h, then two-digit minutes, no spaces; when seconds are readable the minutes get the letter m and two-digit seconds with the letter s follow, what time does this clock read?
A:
2h48
